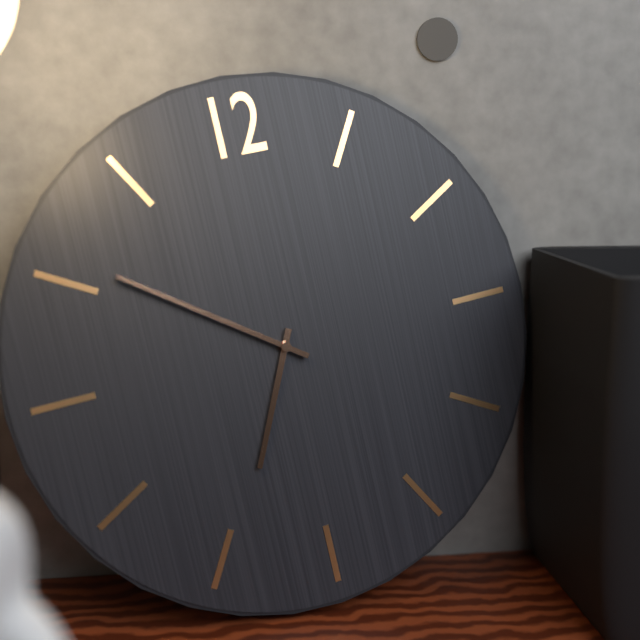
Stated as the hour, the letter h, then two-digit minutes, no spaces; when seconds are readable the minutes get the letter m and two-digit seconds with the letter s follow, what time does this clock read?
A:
6h51
